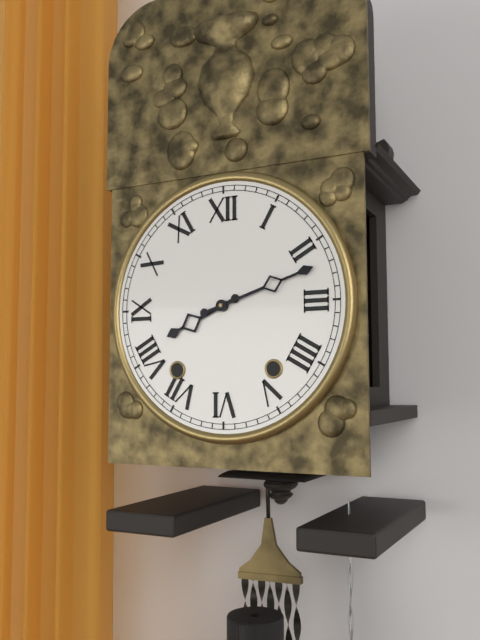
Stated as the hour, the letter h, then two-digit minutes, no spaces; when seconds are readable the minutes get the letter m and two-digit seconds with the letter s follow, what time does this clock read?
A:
8h12
